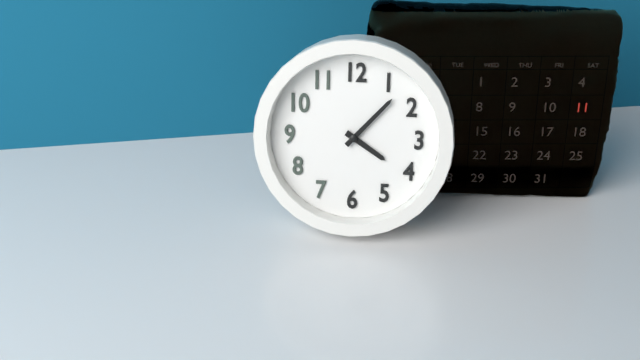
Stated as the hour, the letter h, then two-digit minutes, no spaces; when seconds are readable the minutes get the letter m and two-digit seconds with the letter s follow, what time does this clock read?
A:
4h07
